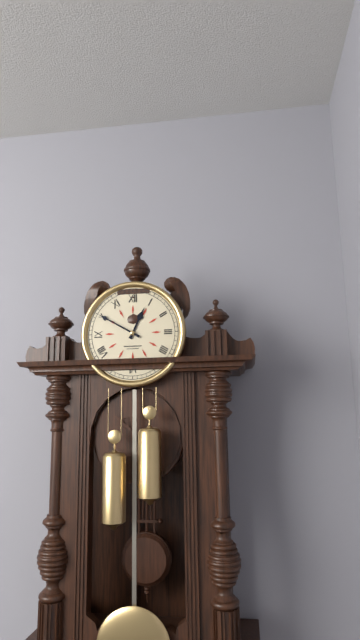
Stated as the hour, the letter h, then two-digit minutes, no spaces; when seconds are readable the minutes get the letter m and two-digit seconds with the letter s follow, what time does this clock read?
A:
12h50
